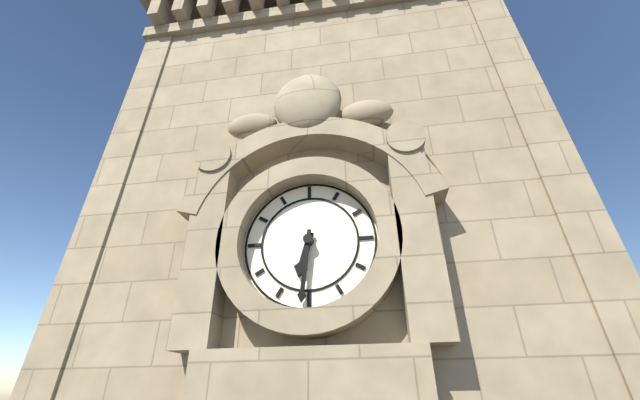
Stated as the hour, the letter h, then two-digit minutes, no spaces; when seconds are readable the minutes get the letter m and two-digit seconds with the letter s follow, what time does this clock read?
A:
6h31
